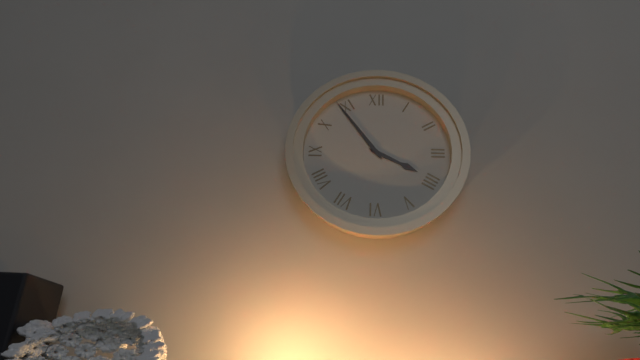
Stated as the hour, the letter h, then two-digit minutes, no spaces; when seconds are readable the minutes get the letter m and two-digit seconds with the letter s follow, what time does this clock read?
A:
3h54
